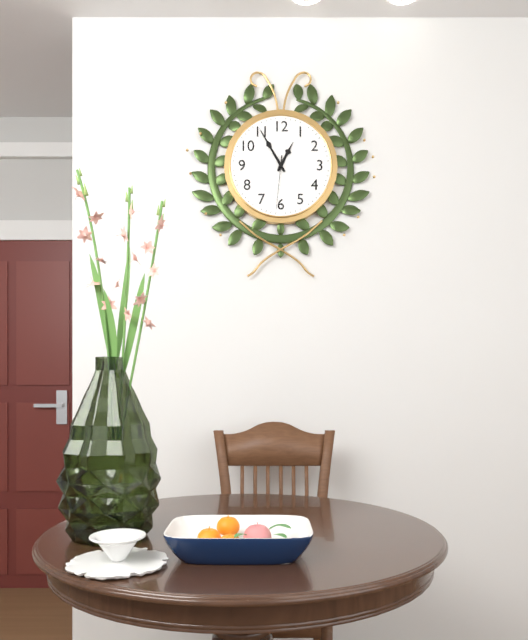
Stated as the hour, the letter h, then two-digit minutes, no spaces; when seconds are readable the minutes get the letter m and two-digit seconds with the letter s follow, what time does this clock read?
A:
12h55m31s
